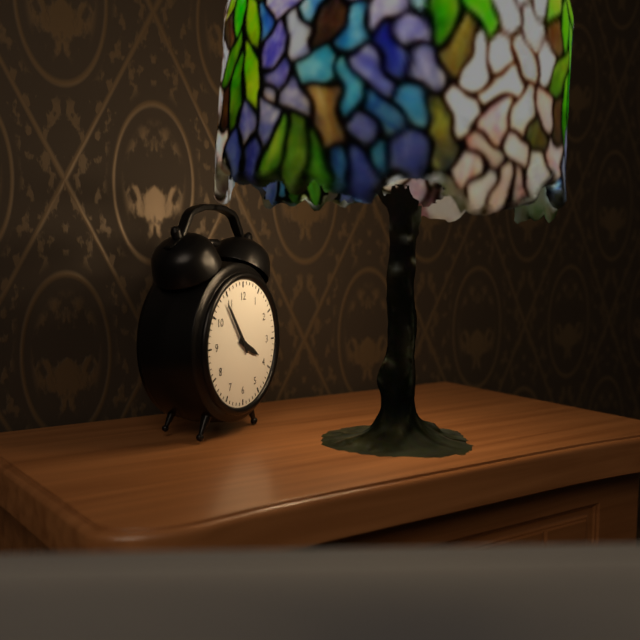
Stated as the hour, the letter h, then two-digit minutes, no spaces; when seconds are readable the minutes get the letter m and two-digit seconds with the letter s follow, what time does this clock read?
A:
3h54
